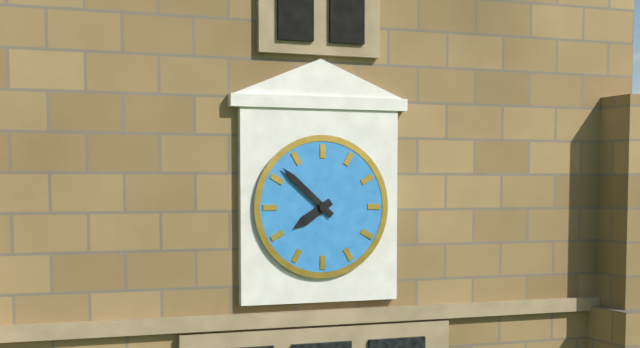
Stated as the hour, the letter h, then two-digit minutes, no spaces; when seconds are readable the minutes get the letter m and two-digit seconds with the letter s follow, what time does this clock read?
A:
7h52
